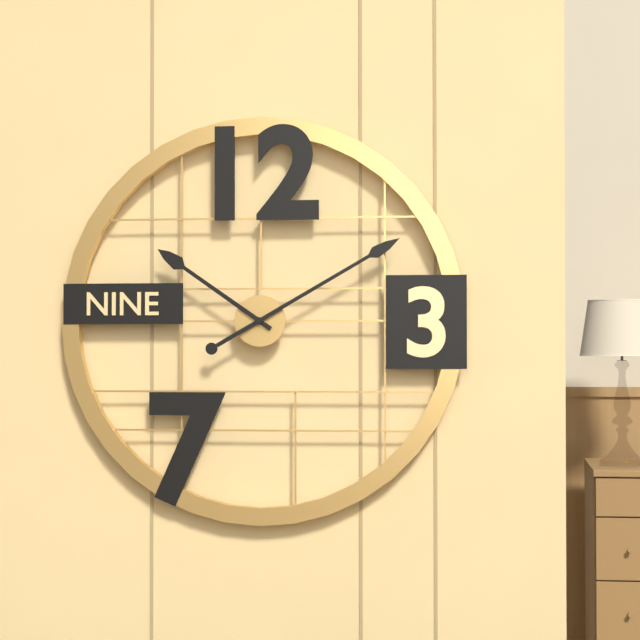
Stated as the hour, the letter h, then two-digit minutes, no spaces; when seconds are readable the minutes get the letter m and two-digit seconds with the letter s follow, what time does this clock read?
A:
10h10
